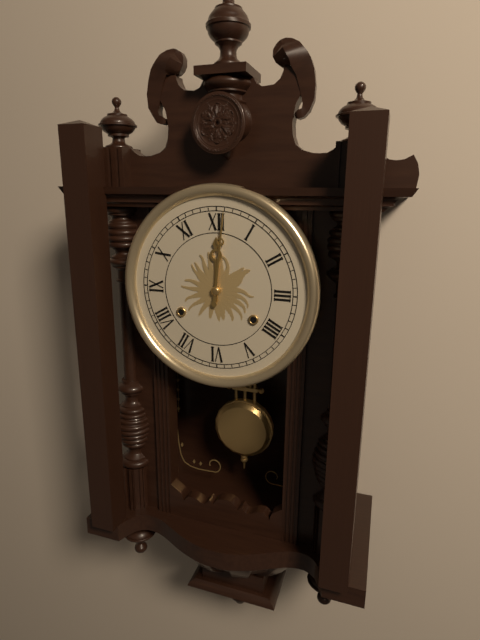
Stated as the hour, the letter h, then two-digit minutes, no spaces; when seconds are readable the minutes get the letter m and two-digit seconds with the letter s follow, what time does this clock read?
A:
12h01
